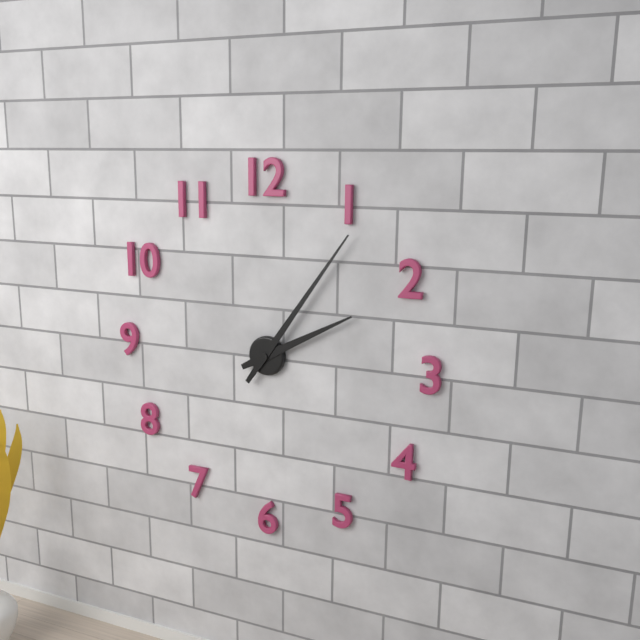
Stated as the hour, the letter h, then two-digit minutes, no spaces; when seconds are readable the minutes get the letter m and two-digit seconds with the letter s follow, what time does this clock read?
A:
2h06
